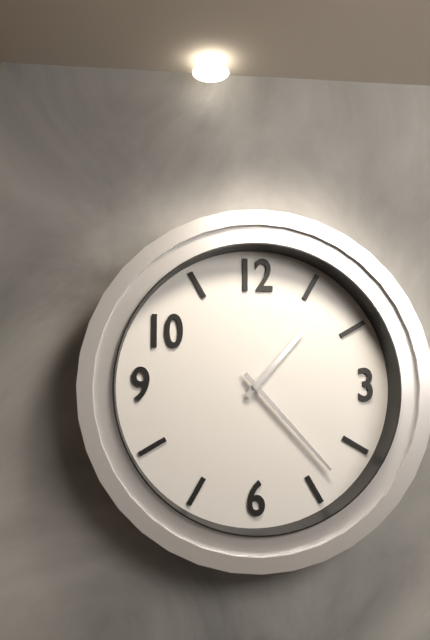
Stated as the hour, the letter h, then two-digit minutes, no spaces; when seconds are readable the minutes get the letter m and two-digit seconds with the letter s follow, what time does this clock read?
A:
1h23
